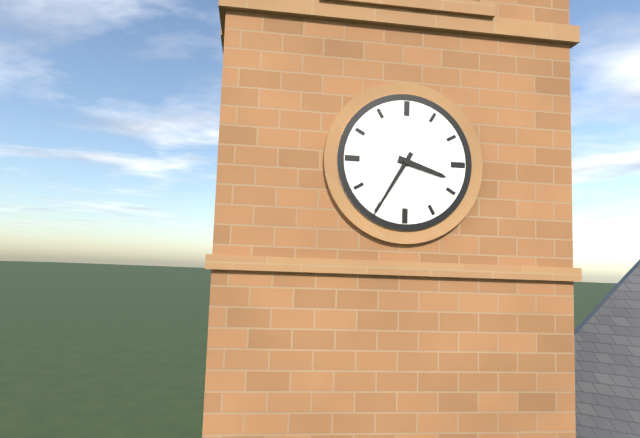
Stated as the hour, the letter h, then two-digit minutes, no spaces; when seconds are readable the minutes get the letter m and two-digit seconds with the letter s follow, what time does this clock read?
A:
3h35
